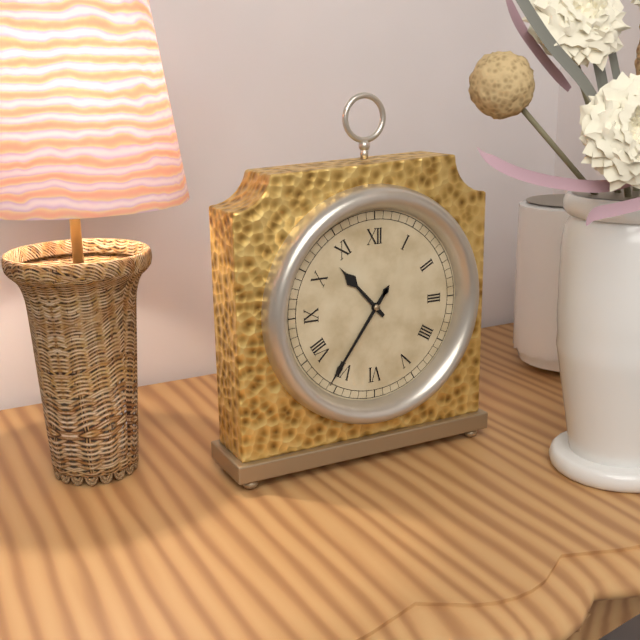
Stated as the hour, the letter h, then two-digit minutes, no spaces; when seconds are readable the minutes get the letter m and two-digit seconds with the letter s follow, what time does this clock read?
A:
10h36
